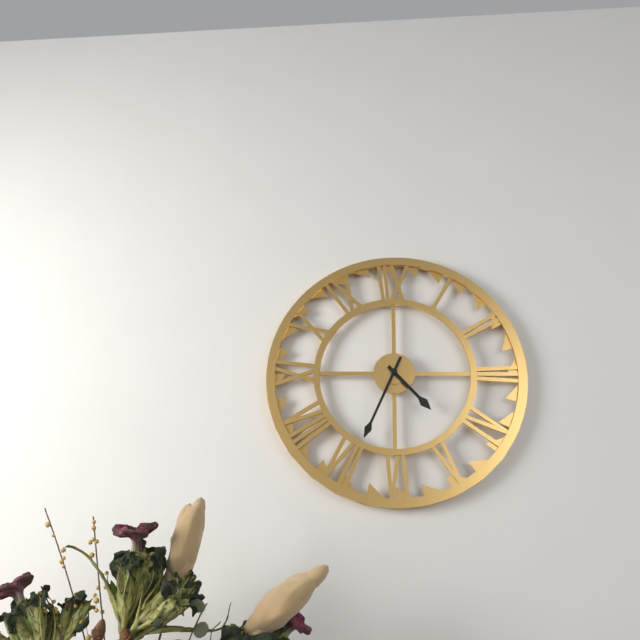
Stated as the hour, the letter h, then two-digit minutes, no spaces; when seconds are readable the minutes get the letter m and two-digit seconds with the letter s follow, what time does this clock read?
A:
4h34
